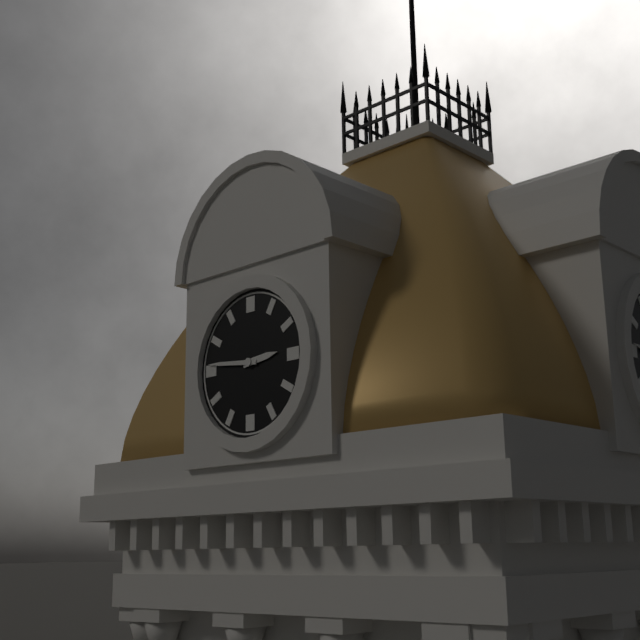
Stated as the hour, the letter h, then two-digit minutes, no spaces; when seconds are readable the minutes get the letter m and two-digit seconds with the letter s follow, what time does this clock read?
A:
2h46
